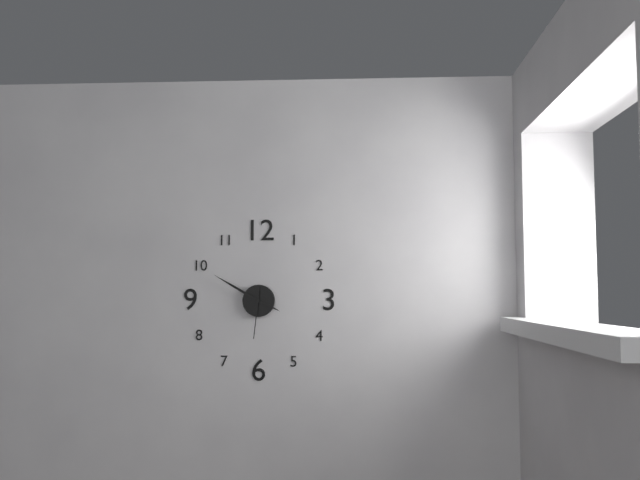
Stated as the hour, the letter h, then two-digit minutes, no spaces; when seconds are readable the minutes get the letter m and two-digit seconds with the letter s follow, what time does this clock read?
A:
3h50
